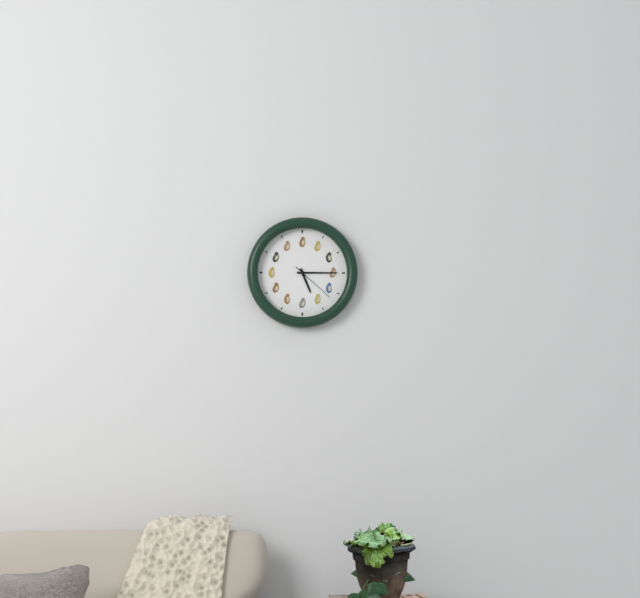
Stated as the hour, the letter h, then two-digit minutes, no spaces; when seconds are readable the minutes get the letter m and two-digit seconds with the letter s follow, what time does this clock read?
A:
5h15
